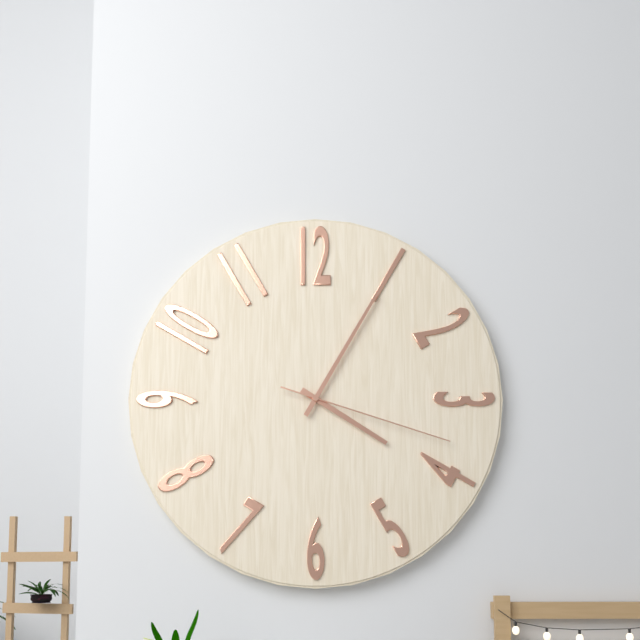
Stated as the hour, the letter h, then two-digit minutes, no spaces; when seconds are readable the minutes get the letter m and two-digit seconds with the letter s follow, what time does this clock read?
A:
4h05m18s
